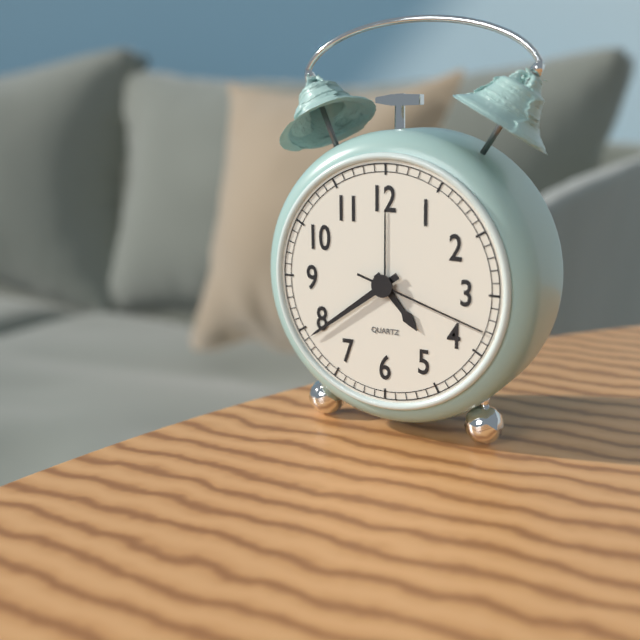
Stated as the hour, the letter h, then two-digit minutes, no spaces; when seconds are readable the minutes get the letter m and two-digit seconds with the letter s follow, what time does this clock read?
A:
4h39m18s
